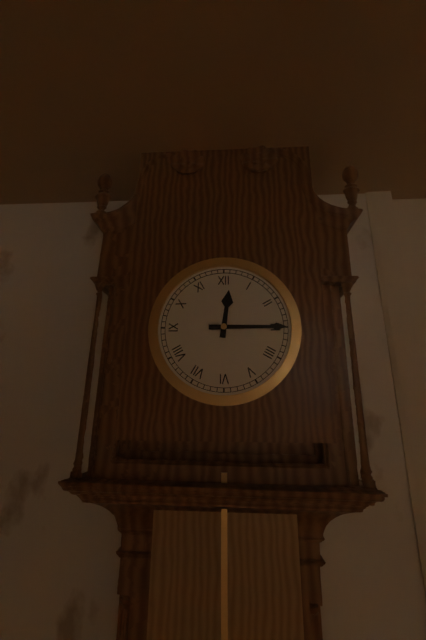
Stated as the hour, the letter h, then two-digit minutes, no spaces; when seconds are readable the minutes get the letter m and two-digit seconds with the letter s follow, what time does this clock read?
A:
12h15
